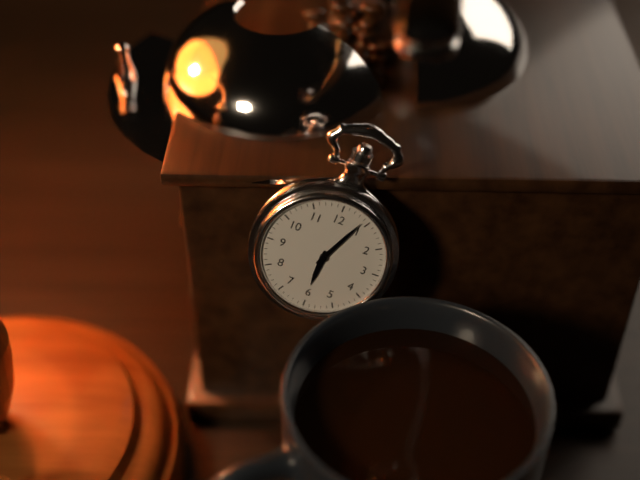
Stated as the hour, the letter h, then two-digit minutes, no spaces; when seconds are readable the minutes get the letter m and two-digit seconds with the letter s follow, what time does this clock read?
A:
6h04
